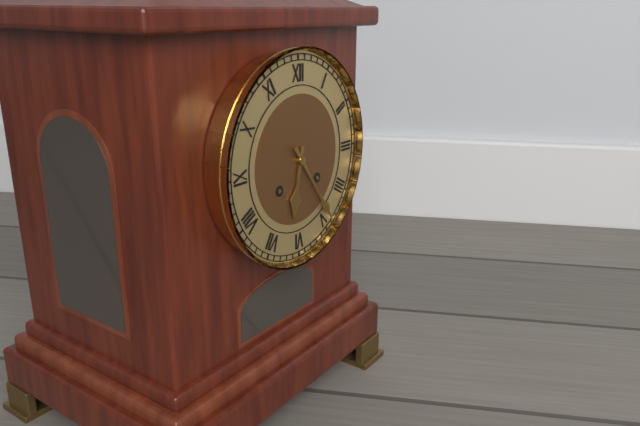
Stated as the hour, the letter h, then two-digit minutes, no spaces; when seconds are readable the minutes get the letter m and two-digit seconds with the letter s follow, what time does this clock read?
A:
6h24
